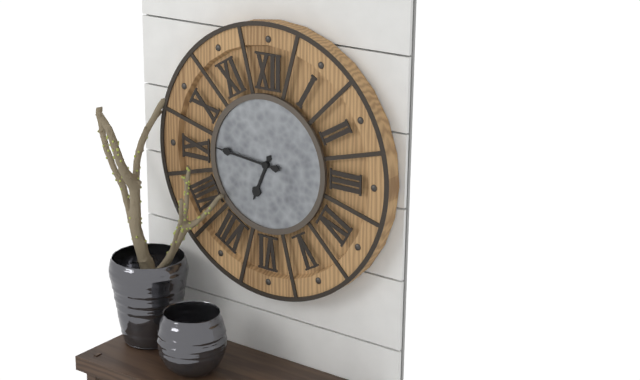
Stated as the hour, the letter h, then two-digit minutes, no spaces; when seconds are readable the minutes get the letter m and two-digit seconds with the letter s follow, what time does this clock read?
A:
6h46
